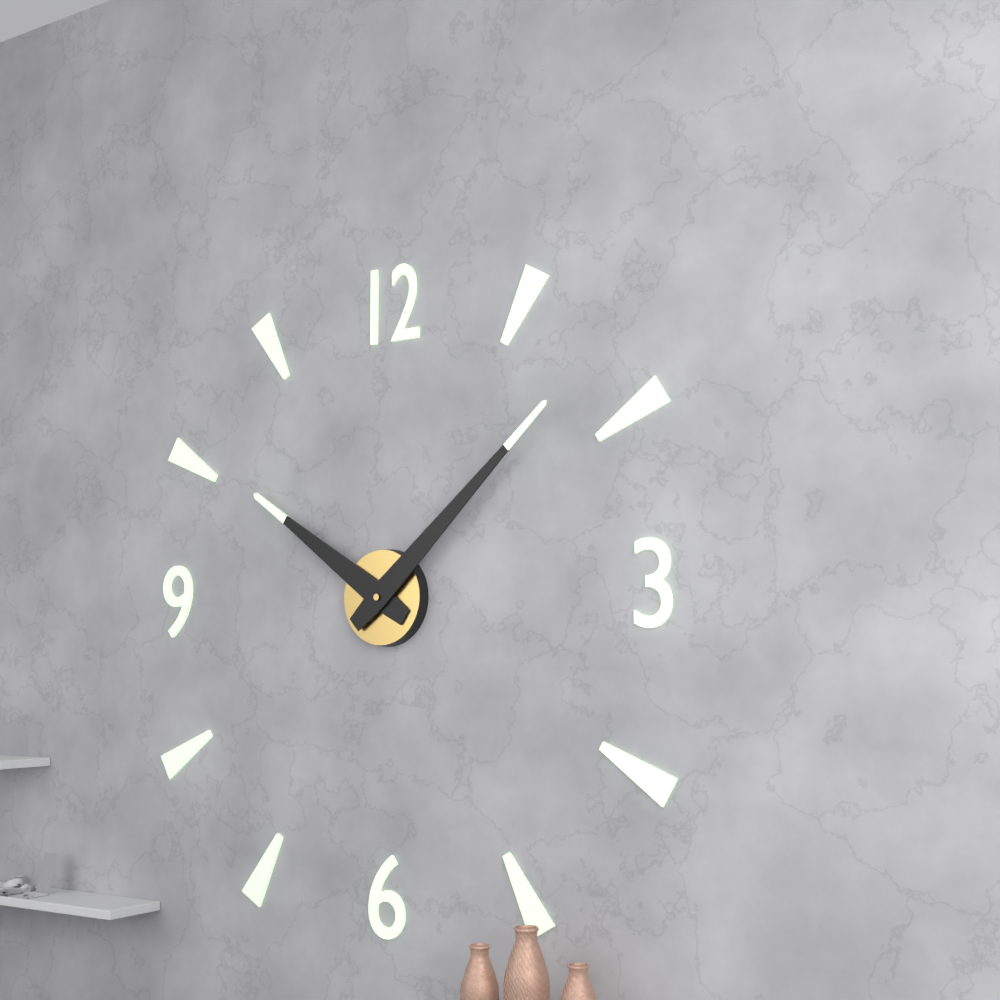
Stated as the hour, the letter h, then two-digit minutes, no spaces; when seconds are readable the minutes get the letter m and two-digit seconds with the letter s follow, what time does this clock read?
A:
10h08
